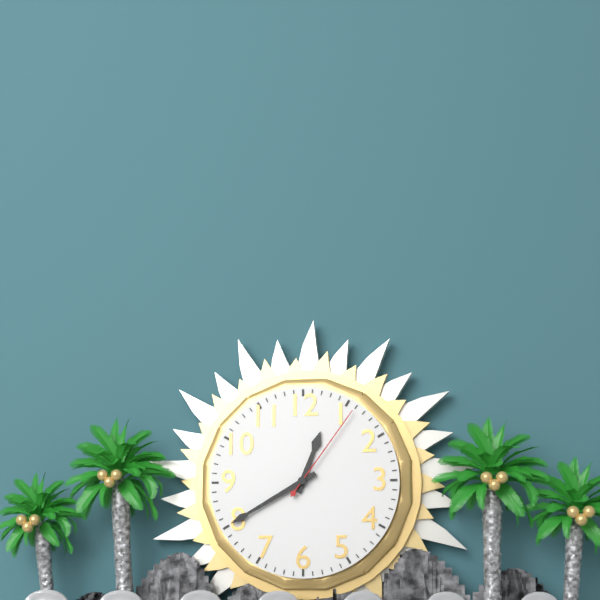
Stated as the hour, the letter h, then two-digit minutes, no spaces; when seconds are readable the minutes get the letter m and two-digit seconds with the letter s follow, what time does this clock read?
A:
12h40m06s
